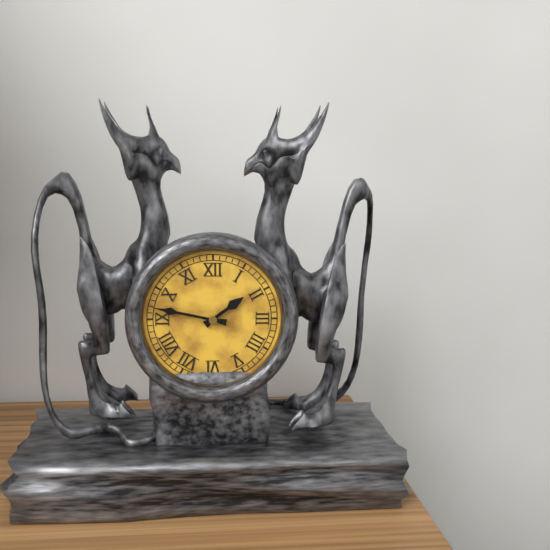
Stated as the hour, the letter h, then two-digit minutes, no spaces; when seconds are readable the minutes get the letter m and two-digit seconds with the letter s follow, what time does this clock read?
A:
1h47
